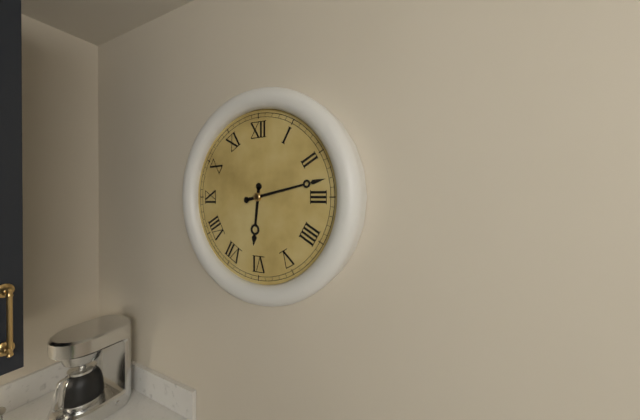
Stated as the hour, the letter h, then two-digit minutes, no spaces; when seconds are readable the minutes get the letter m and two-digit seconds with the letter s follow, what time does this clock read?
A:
6h13
